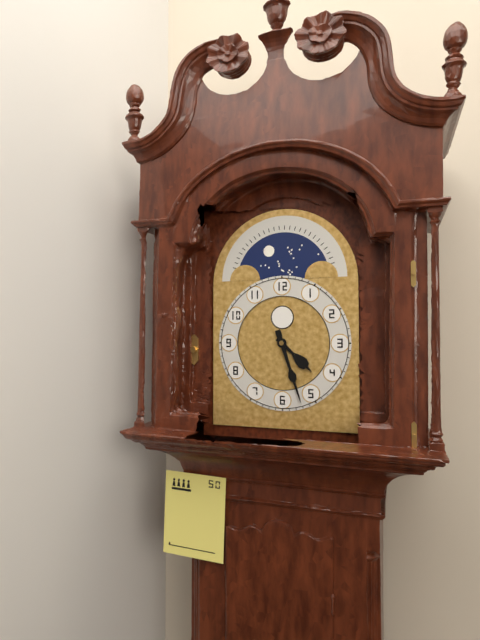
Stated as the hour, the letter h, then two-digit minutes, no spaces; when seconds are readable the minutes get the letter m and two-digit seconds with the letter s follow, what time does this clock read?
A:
4h27
